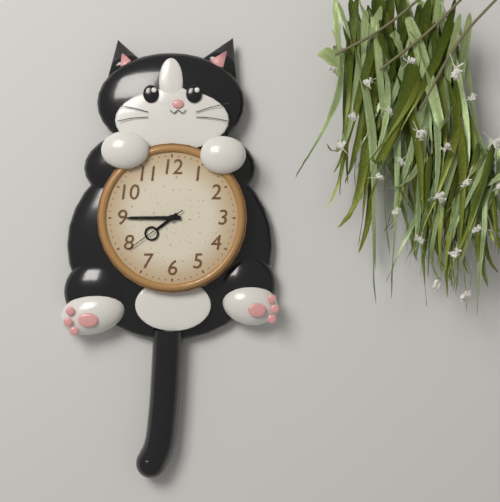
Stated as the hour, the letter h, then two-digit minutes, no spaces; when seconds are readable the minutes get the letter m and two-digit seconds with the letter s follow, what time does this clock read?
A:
7h45m39s
